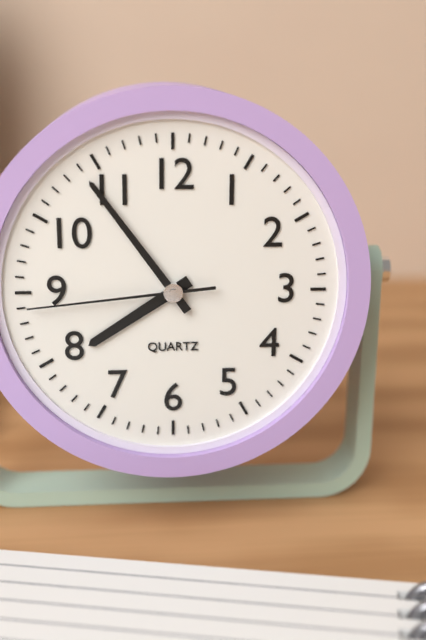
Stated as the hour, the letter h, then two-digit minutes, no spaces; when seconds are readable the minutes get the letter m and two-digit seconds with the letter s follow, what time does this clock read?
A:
7h54m44s
